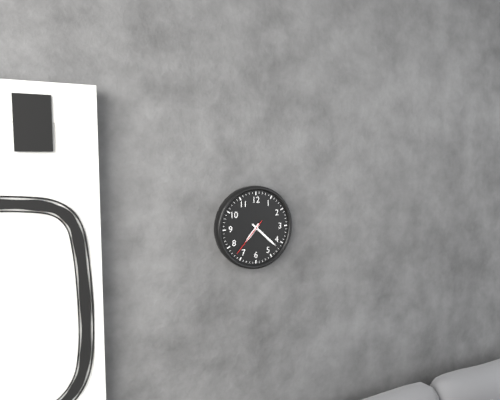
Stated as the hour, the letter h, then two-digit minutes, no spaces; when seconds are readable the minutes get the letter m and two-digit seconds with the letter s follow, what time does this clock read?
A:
7h22
